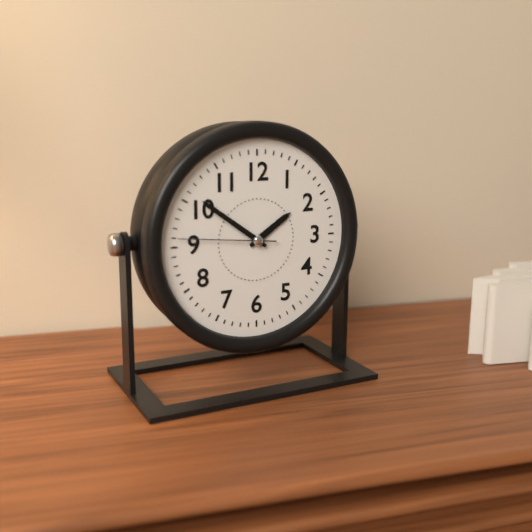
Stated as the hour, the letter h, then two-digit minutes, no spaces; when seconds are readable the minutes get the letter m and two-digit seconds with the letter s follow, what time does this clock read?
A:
1h51m46s
